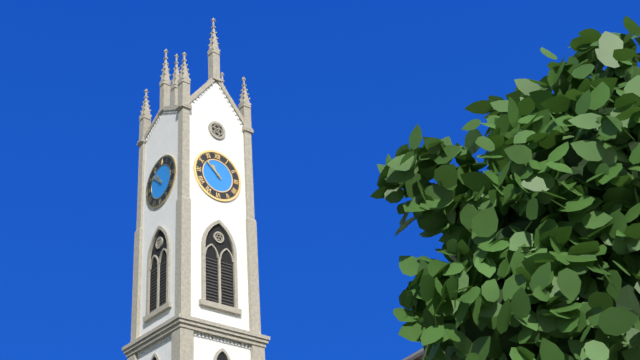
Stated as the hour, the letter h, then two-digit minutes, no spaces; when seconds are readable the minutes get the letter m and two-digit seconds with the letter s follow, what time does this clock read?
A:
10h52
